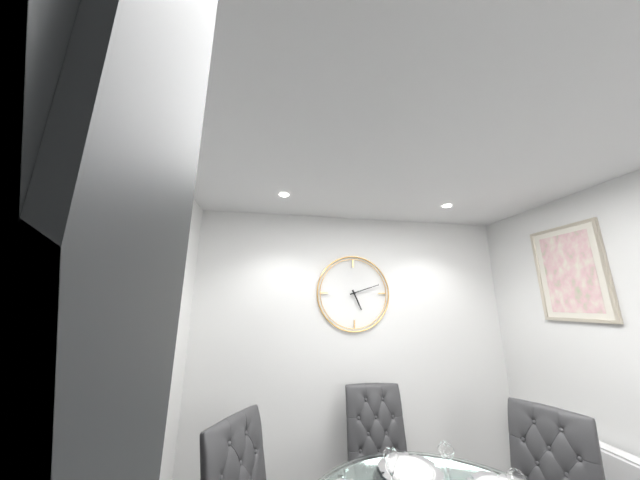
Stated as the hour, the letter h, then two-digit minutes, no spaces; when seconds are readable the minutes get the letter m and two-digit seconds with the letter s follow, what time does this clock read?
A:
5h12
